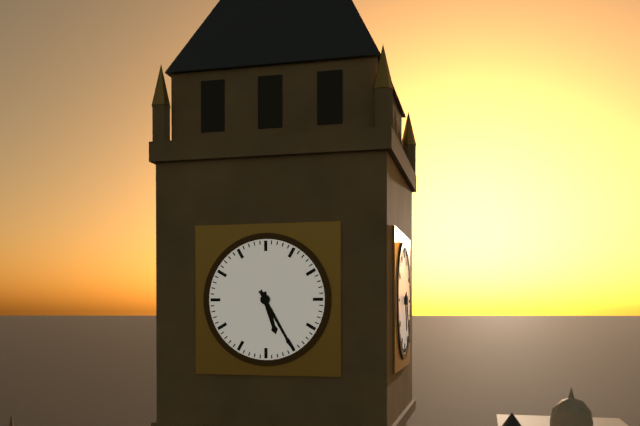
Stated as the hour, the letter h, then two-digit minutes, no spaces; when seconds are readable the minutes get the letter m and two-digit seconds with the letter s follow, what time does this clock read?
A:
5h25
